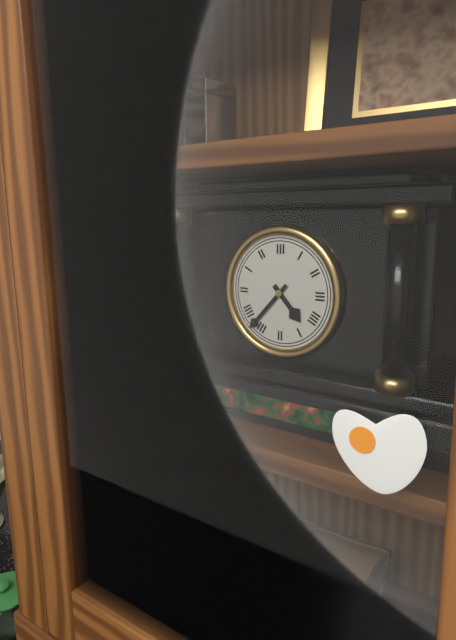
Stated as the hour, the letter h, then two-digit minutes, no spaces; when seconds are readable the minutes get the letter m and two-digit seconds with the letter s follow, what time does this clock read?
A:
4h37
